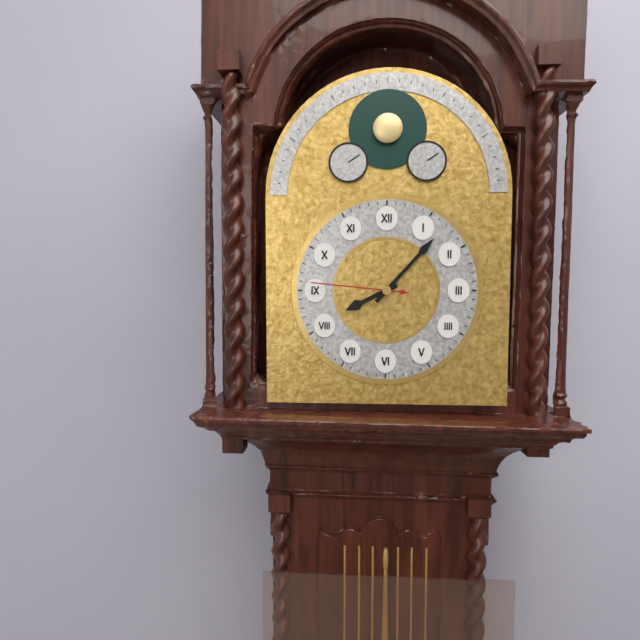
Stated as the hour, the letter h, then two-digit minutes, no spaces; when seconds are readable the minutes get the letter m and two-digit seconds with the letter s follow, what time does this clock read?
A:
8h07m46s
